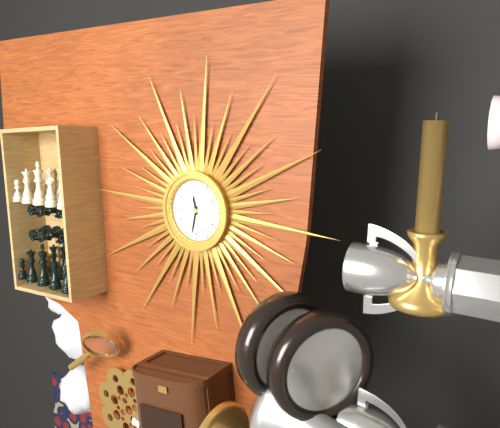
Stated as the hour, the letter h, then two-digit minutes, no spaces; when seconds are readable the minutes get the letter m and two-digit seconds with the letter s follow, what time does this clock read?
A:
11h32
